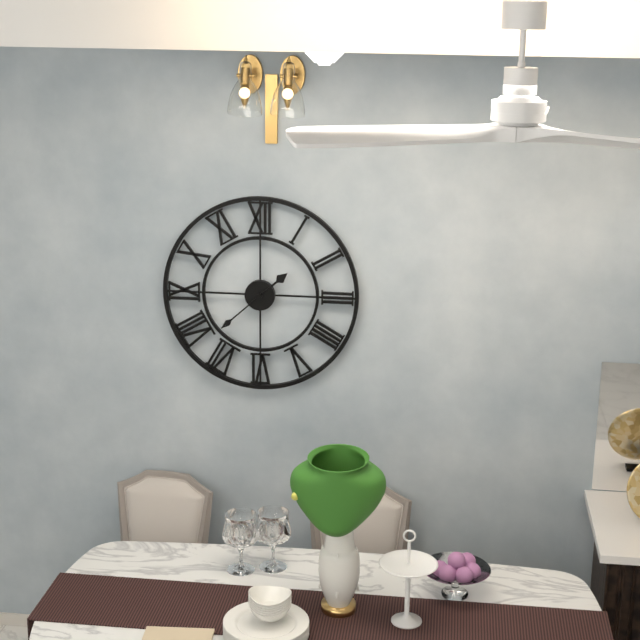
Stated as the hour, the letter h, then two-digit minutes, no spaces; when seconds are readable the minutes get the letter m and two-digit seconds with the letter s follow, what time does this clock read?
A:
1h38
